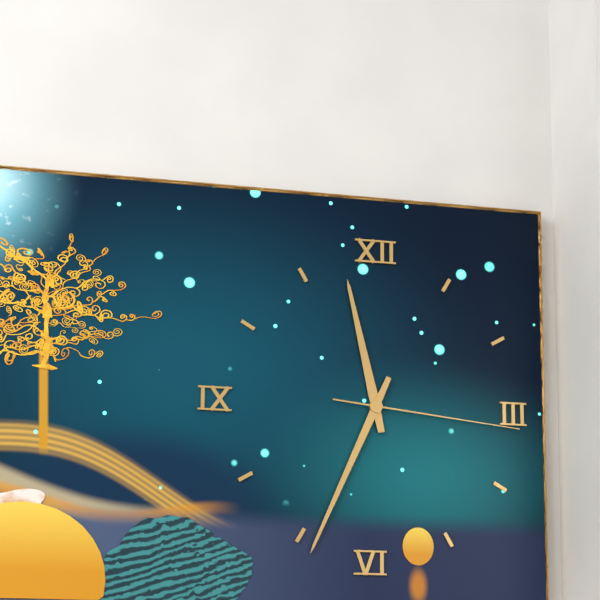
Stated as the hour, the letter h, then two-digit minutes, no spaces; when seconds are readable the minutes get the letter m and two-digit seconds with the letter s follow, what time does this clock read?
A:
11h34m16s
